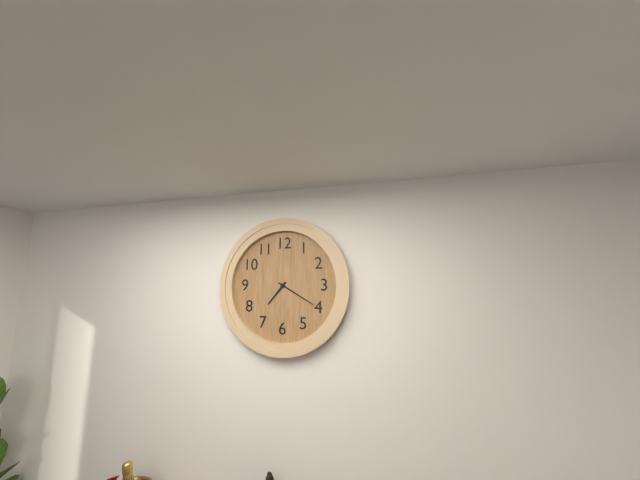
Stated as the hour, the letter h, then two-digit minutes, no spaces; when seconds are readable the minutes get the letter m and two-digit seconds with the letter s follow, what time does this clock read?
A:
7h20
